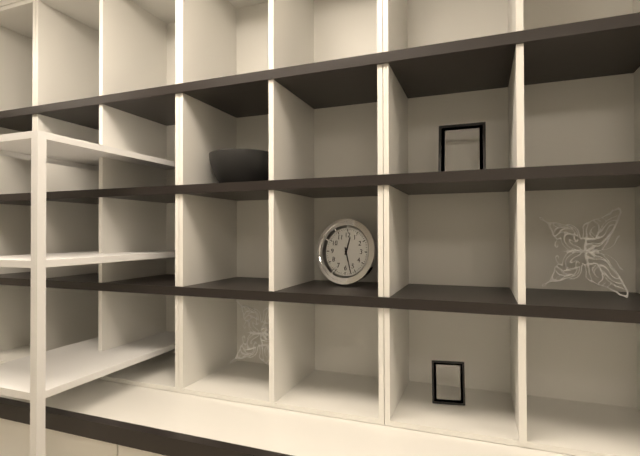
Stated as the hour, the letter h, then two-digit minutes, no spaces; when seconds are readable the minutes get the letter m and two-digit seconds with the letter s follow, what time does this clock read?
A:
12h27
